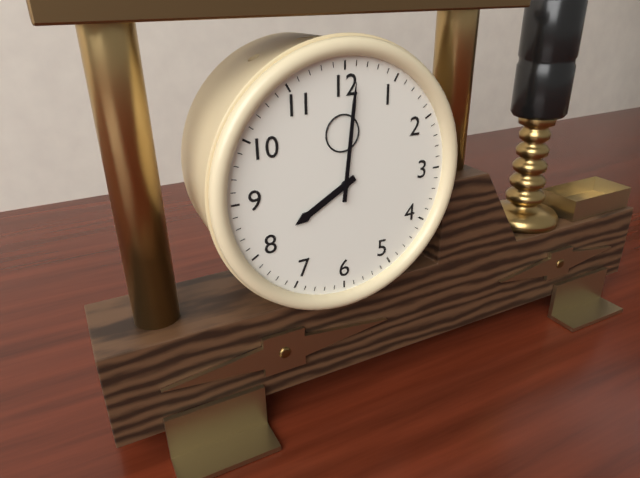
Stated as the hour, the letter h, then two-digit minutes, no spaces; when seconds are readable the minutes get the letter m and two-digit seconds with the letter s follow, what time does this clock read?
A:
8h01
